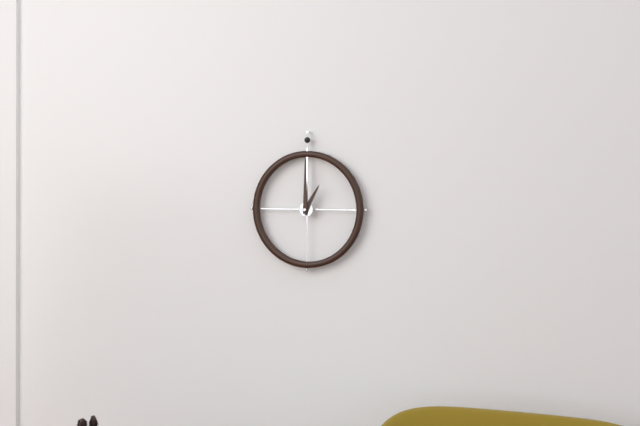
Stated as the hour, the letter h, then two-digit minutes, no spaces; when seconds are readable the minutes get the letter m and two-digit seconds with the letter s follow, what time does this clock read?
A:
1h00
